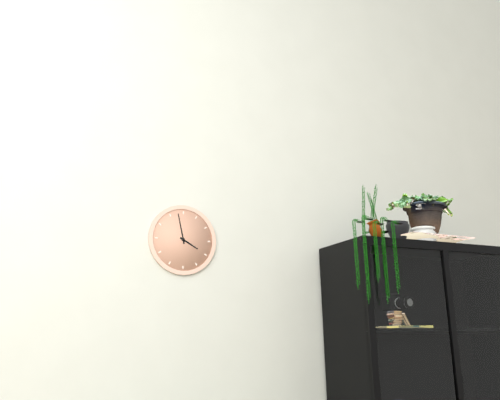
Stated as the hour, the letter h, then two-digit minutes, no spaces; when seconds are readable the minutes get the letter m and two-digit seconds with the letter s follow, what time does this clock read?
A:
3h58
